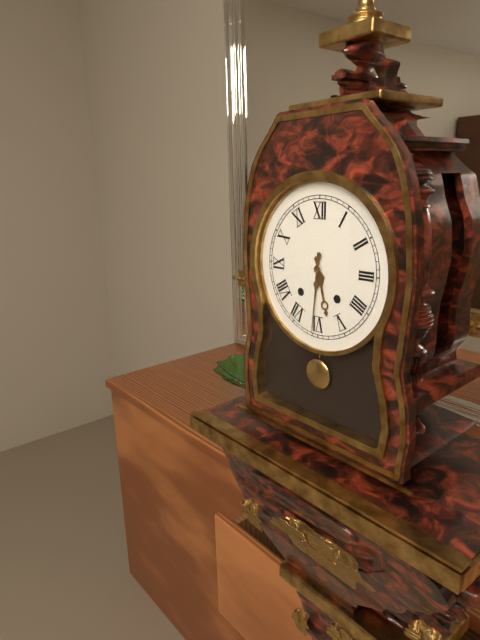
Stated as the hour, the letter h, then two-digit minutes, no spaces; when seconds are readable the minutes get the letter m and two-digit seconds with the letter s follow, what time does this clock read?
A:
5h31
